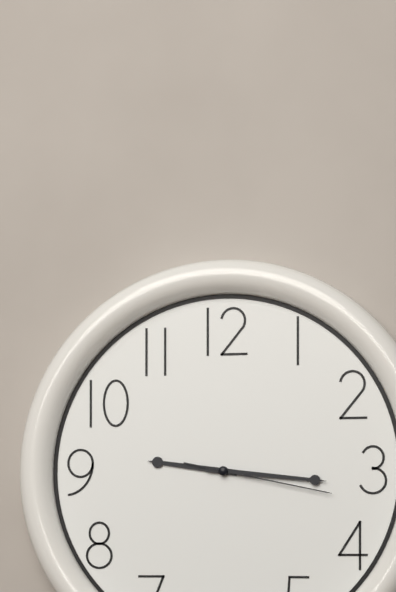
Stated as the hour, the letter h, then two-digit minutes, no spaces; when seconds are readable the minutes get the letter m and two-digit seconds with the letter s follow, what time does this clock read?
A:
9h16m17s
